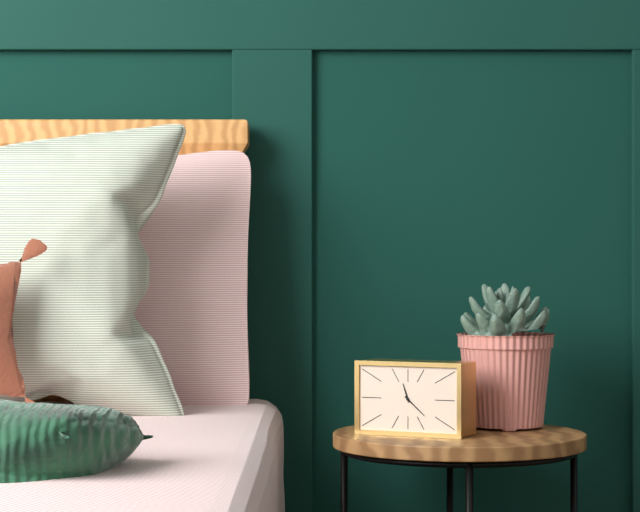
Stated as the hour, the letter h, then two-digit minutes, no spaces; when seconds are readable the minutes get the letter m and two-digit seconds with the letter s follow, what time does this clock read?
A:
11h22
